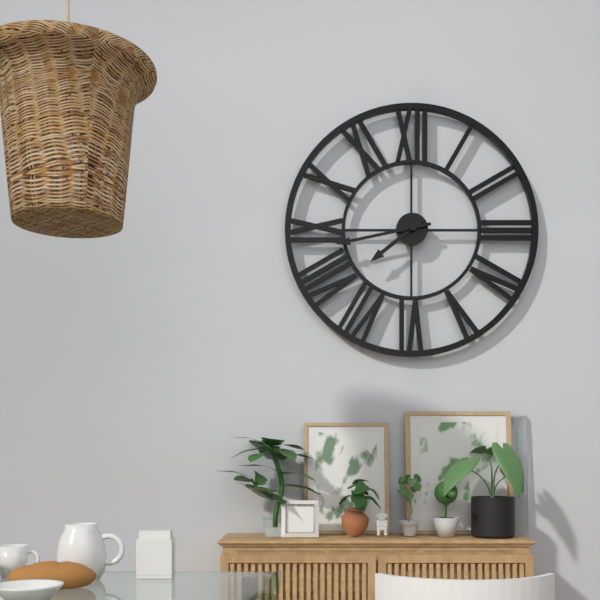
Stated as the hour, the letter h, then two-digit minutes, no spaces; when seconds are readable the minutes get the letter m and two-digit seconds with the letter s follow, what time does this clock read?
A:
7h43
